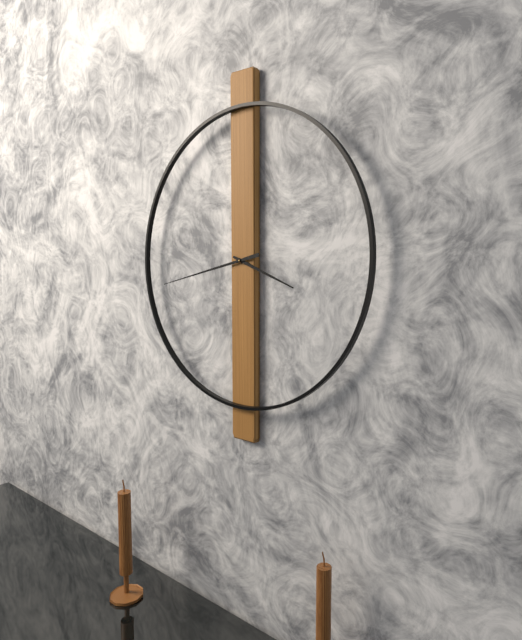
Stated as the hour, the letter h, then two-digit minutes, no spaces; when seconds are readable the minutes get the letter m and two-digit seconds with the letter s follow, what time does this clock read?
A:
3h43
